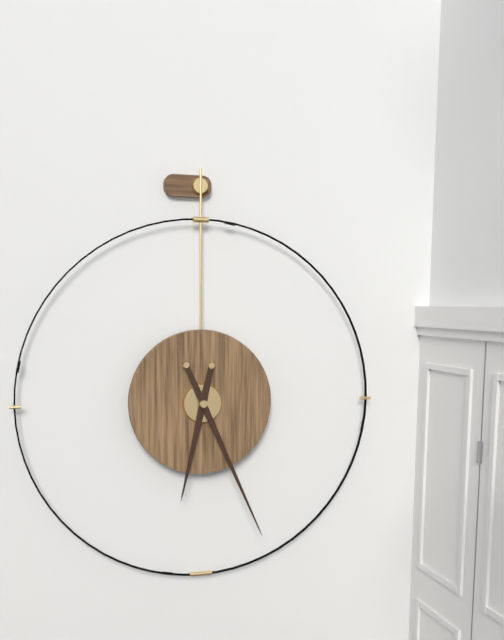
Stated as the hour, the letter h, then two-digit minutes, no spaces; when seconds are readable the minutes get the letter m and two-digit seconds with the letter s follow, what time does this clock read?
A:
6h26
